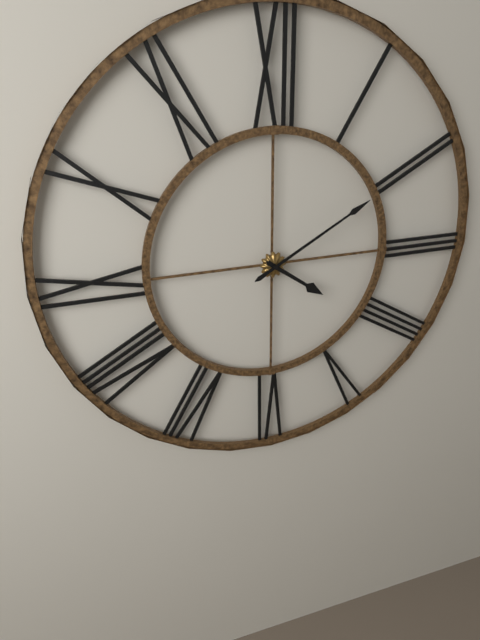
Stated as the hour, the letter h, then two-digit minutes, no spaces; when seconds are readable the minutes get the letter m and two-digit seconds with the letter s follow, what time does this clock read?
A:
4h10
